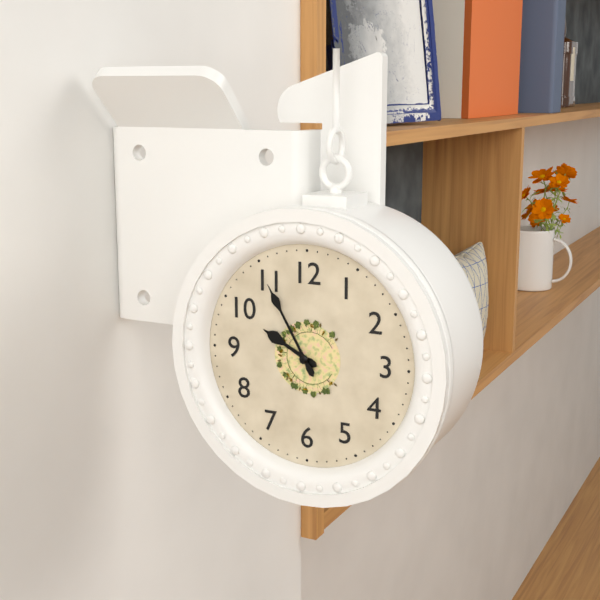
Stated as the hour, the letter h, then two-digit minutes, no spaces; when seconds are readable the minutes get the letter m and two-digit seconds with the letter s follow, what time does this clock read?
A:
9h55
